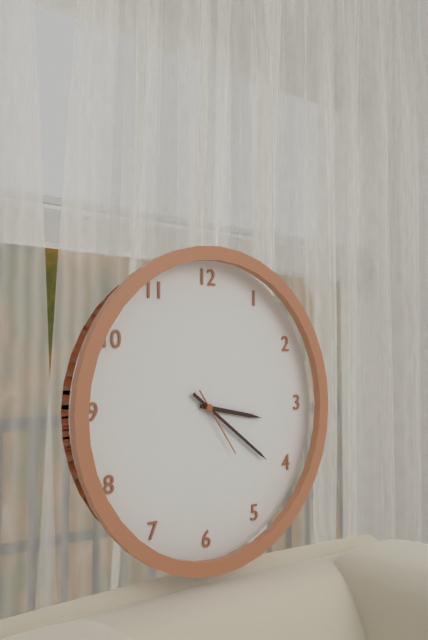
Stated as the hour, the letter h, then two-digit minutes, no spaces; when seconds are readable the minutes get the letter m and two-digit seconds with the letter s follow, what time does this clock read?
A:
3h21m24s
